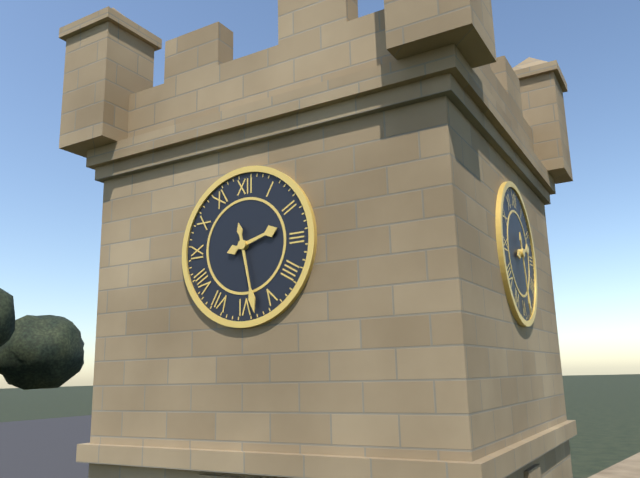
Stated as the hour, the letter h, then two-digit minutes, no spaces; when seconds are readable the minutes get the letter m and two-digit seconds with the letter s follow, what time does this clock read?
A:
2h28
